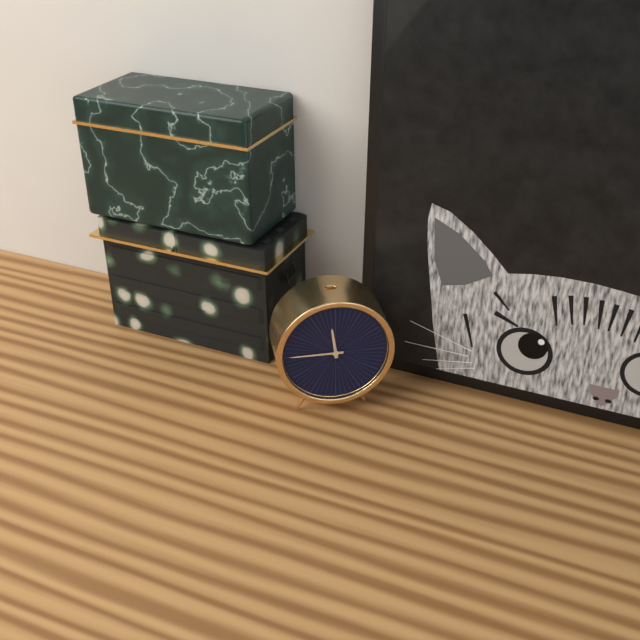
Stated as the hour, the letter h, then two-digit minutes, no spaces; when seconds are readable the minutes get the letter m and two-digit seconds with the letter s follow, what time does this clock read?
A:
11h45
